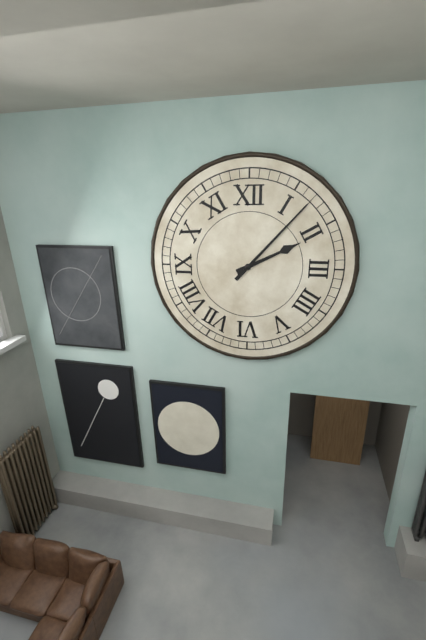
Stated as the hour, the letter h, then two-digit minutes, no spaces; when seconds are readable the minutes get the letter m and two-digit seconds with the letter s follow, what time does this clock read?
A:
2h07
